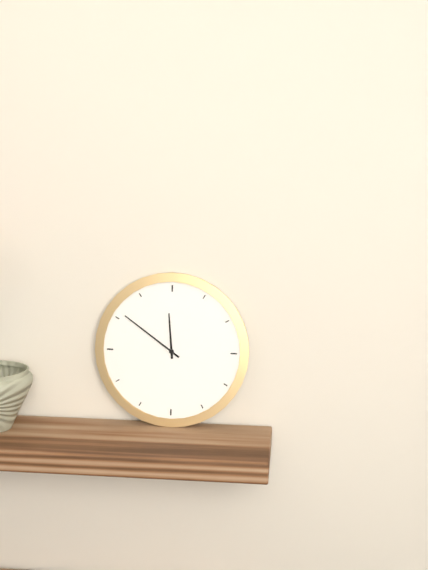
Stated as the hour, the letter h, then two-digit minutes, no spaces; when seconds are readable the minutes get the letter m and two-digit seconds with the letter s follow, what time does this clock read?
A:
11h51
